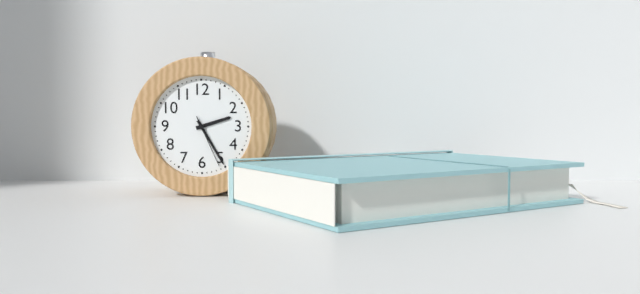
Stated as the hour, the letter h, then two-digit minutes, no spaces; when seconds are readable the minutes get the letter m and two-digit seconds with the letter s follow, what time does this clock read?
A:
2h25m26s
